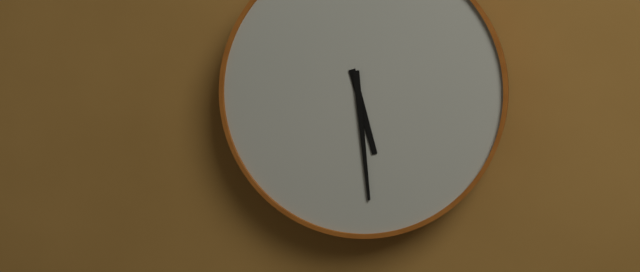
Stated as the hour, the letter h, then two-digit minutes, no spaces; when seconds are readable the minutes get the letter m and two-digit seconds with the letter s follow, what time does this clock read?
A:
5h29
